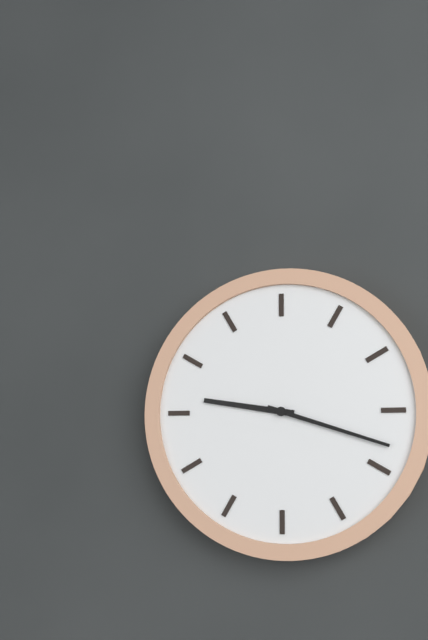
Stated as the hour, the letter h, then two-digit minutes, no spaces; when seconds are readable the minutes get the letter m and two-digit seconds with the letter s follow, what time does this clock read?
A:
9h18
